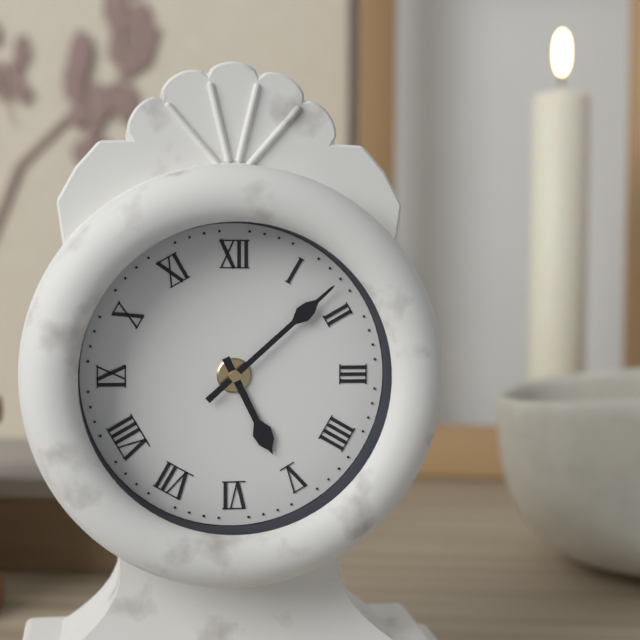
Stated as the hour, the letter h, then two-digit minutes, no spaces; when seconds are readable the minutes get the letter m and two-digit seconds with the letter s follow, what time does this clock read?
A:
5h08
